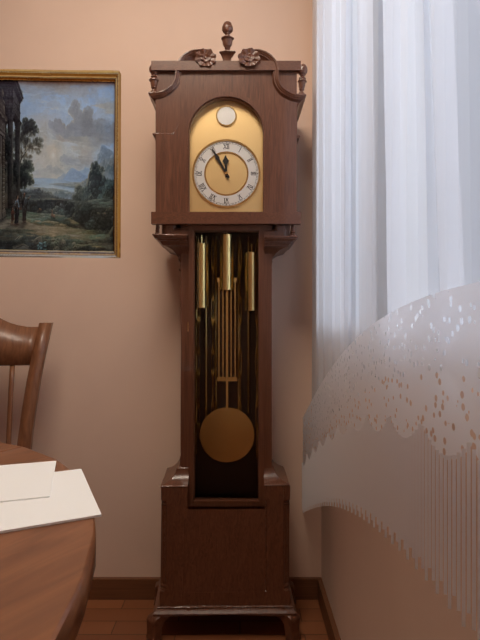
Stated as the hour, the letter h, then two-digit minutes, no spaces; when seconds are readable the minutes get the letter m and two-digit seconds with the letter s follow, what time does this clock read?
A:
11h55
